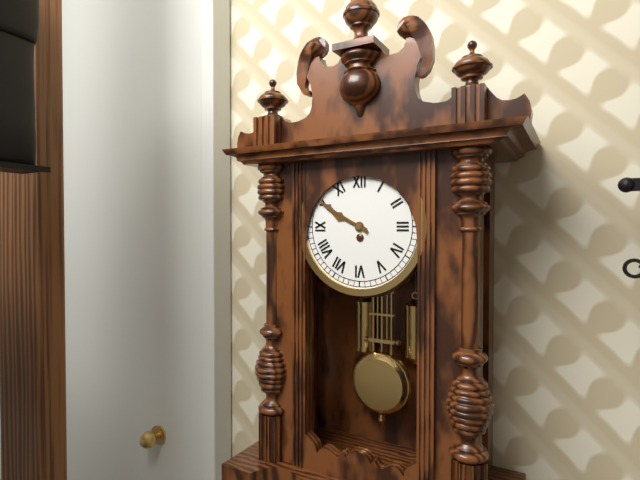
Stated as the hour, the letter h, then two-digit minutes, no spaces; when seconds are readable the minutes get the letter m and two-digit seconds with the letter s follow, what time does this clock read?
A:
9h50
